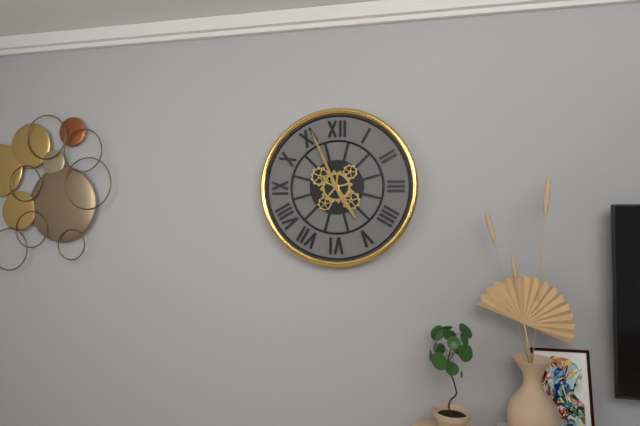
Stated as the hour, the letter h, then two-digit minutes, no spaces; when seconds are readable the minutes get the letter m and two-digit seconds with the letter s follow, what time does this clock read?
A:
4h56
